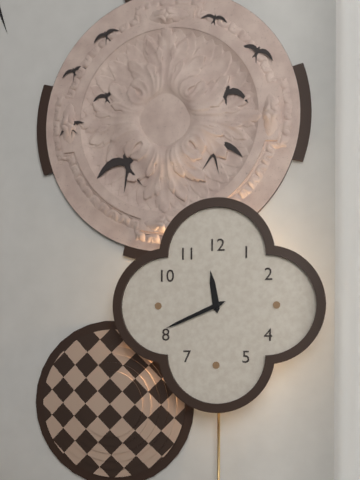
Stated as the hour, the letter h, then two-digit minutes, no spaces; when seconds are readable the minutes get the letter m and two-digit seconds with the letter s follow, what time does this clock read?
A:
11h41
